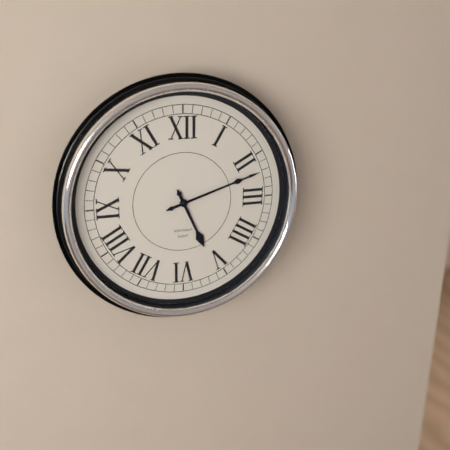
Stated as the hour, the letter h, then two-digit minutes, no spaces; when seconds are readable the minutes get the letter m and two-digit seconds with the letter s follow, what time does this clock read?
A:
5h12
